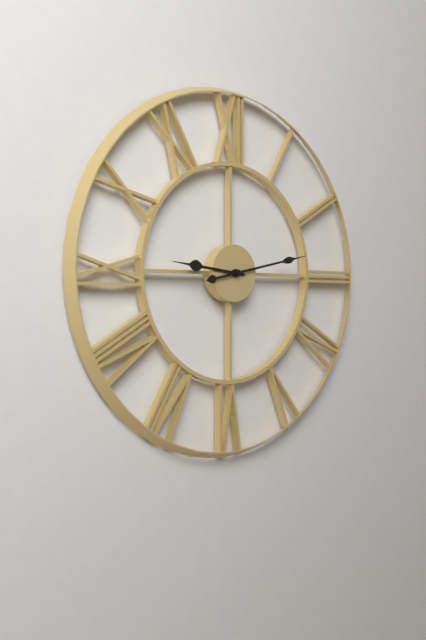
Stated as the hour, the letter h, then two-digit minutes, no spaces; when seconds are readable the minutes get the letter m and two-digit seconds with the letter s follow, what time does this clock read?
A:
9h13
